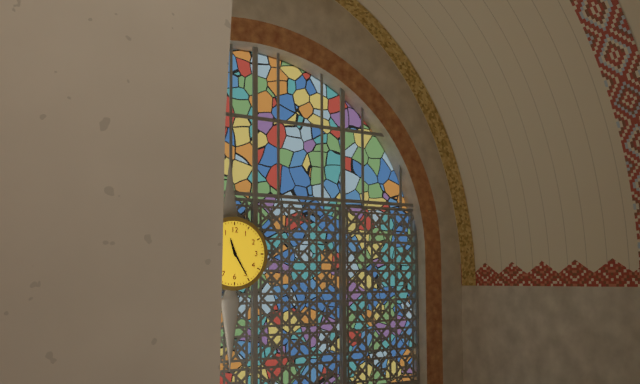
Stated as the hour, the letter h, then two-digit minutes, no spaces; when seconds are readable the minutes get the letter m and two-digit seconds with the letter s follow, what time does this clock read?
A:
11h25
